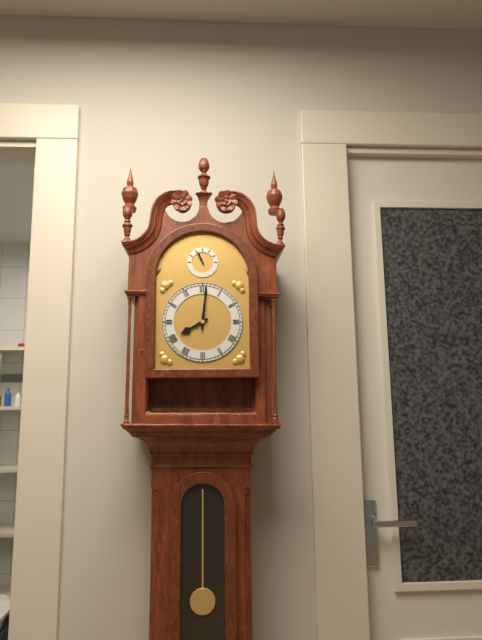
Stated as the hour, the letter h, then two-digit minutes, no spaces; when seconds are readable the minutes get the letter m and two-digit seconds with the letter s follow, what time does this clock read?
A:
8h01
